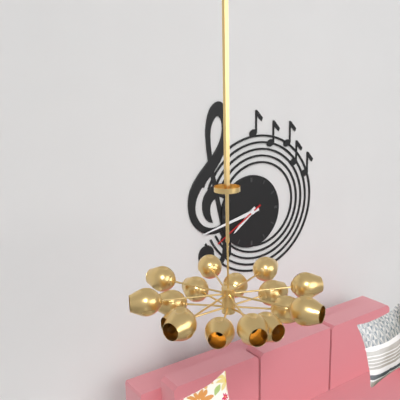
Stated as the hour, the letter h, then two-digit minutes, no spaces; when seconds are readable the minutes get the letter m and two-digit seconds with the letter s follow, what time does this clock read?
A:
7h43m40s
